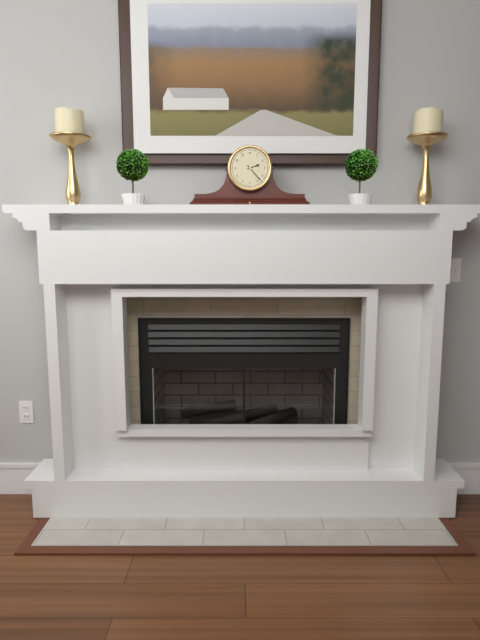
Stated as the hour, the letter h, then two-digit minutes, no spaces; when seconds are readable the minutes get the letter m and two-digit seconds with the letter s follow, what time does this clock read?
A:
2h23
